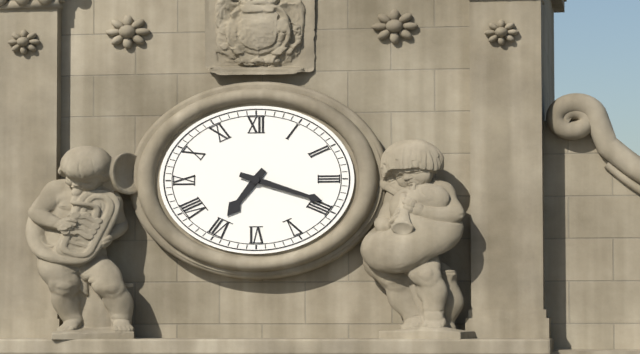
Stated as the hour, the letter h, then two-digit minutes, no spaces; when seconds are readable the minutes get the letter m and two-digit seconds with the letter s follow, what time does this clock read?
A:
7h18
